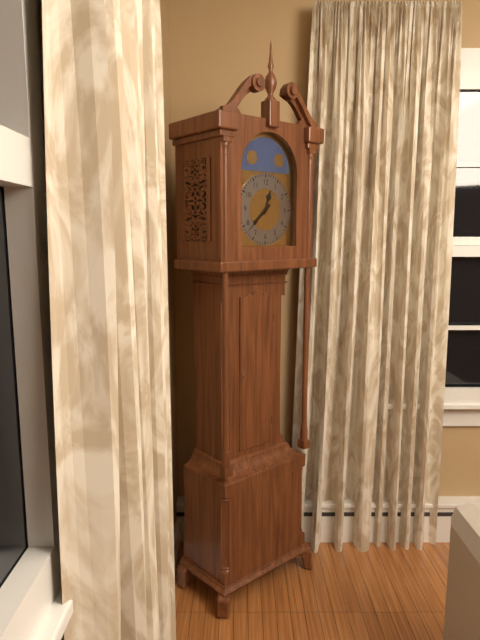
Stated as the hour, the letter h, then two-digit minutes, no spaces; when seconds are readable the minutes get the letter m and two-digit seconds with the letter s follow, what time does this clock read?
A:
12h38
